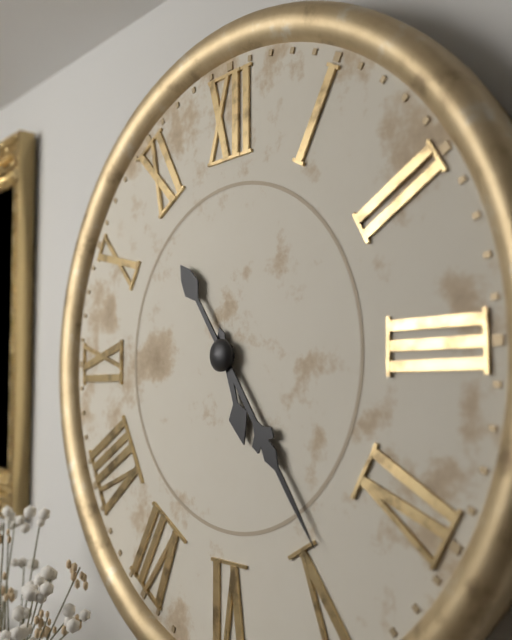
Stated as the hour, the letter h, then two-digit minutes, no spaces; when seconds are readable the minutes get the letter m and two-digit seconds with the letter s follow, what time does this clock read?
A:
5h24
